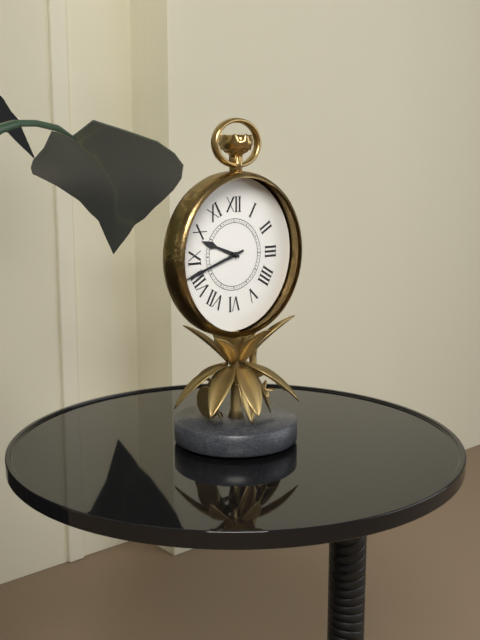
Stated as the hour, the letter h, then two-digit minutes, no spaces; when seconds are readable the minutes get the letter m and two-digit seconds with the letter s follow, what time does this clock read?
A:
9h42
